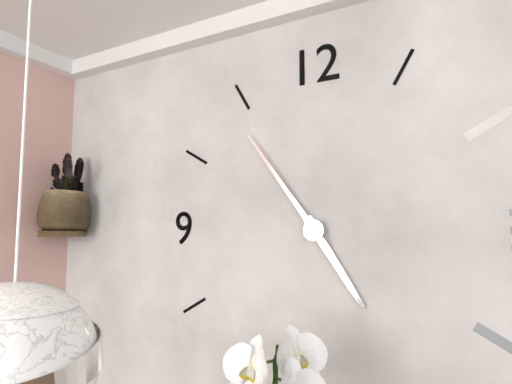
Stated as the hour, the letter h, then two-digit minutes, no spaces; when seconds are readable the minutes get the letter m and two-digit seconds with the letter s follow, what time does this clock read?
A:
4h54
